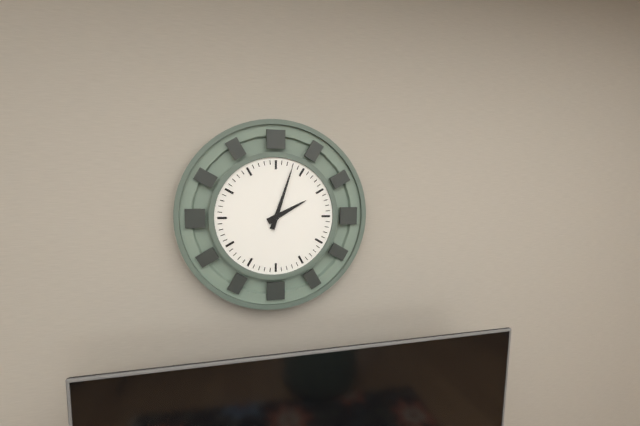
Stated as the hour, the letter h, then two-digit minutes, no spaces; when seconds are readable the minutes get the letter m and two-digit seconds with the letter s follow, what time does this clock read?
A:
2h03
